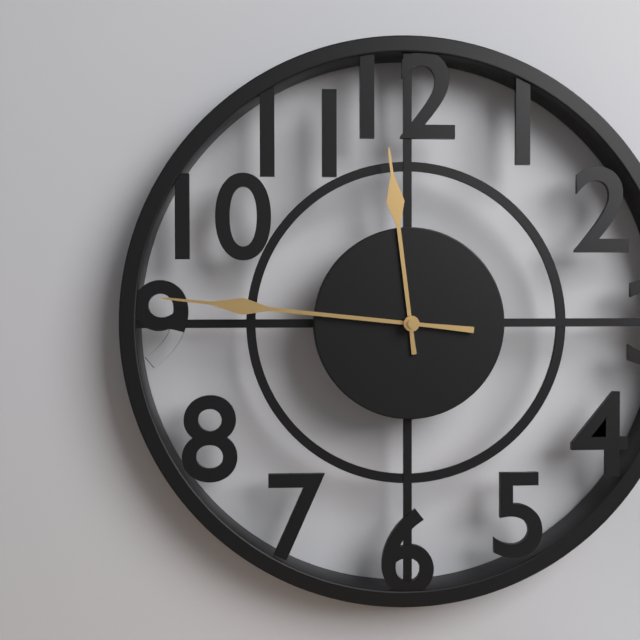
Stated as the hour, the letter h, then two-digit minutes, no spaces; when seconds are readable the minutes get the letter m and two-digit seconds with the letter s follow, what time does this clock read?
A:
11h46
